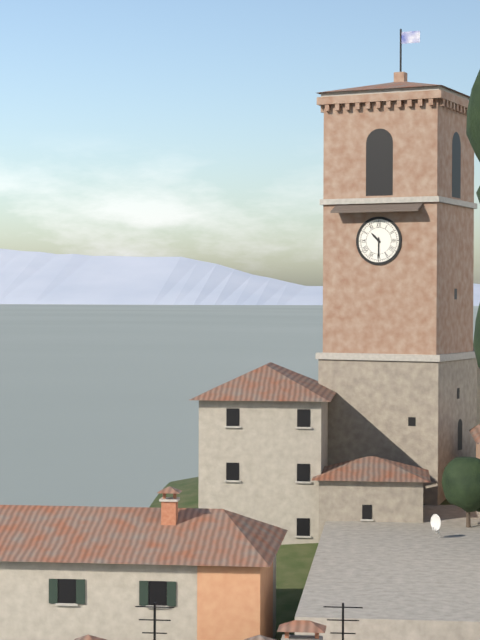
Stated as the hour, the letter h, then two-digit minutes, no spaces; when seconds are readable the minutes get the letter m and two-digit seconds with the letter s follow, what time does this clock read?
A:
10h30
